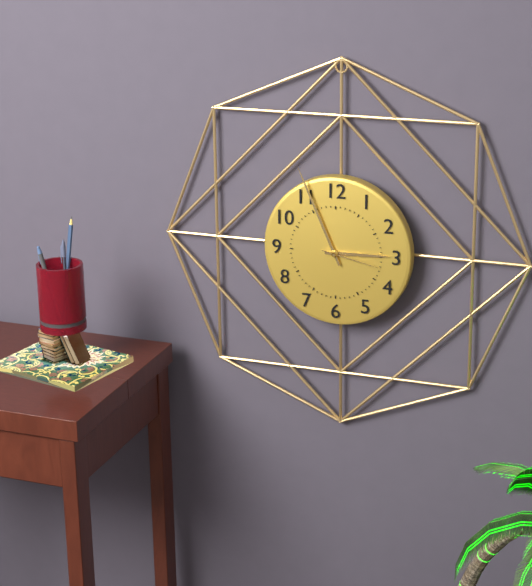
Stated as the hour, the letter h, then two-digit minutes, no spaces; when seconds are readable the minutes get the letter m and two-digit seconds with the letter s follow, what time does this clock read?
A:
2h56m17s
